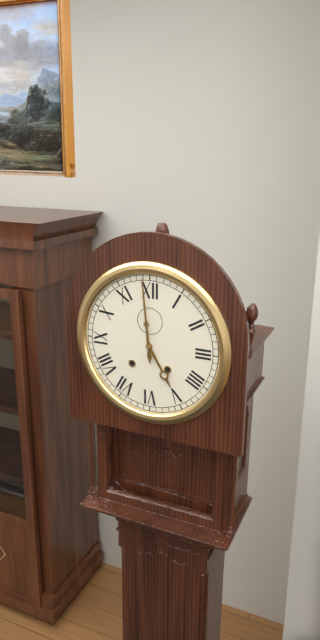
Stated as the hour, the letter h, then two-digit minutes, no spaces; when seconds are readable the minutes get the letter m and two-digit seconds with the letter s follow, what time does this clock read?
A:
4h59
